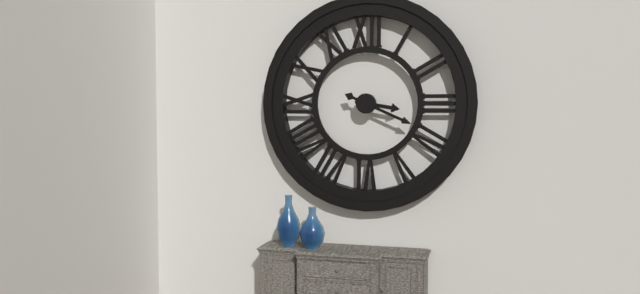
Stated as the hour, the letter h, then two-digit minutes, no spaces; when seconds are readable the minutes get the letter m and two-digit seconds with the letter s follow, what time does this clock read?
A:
3h19
